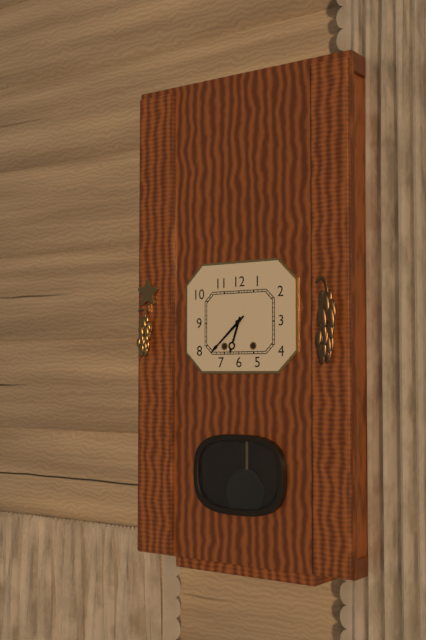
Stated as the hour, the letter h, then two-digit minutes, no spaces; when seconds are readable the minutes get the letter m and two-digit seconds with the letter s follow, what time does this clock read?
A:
6h38
